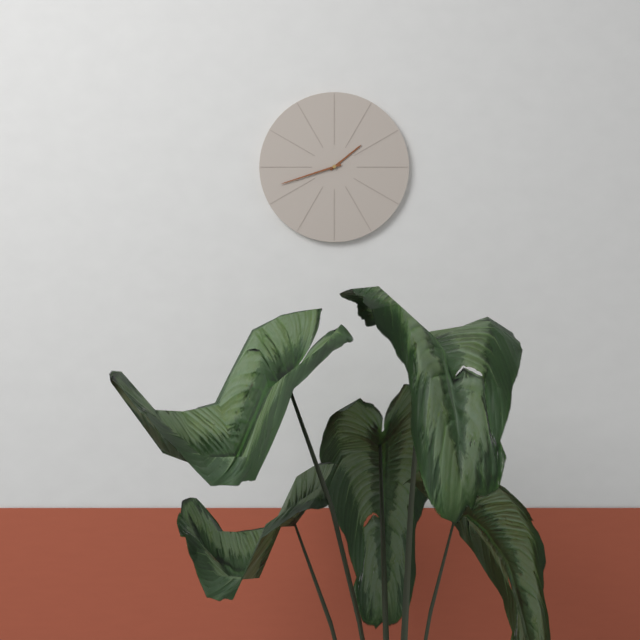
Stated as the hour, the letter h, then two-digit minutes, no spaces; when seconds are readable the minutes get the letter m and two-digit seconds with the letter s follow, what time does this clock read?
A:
1h42
